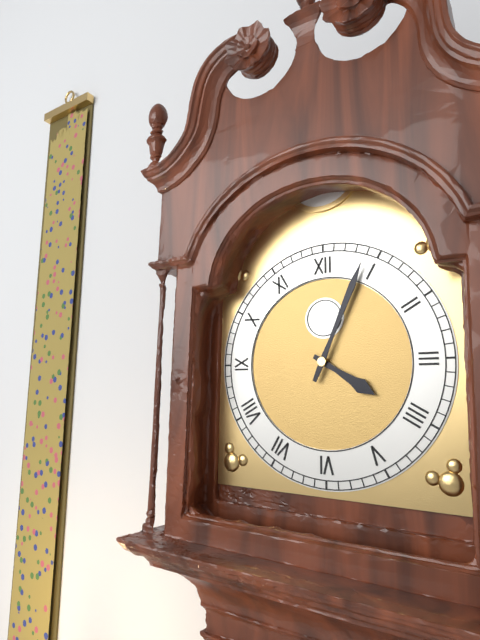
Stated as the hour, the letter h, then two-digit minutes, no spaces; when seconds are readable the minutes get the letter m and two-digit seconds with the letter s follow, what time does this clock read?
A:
4h04
